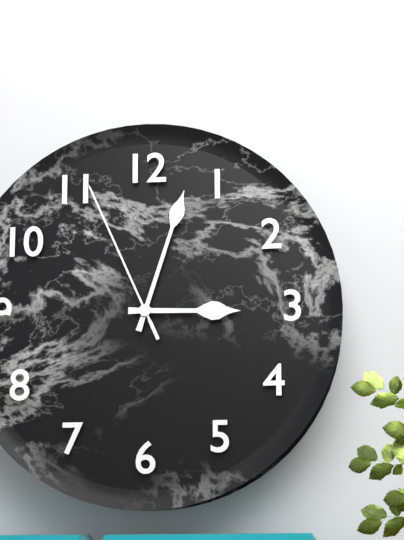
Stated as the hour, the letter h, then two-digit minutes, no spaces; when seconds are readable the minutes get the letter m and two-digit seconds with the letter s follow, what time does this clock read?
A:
3h03m56s
